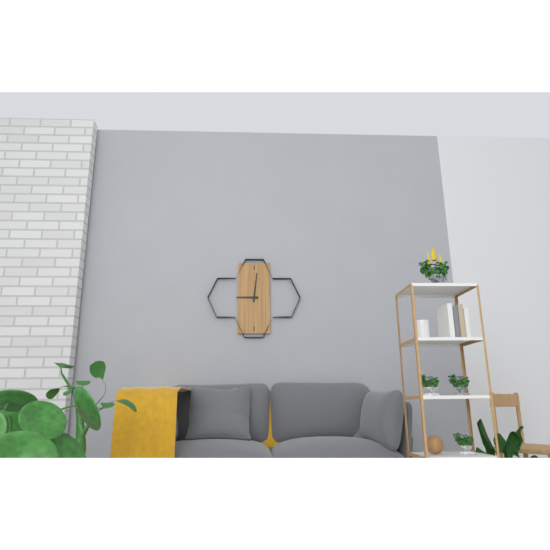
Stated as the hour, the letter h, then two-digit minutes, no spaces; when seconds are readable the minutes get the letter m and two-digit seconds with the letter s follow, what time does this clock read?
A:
9h01
